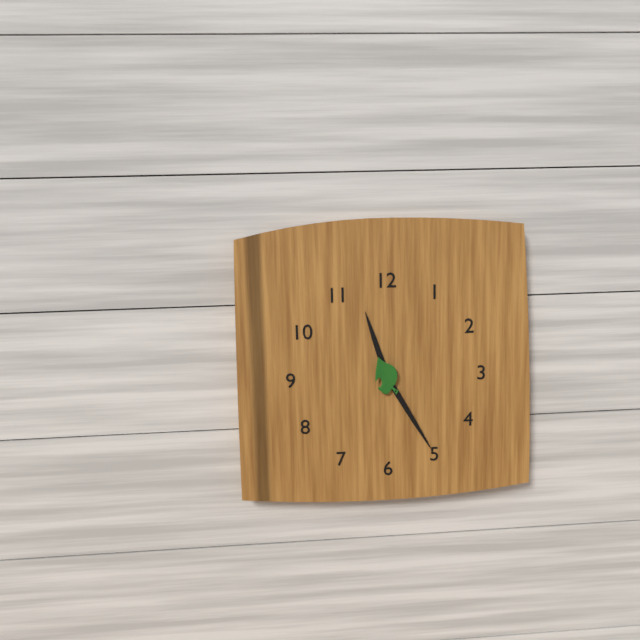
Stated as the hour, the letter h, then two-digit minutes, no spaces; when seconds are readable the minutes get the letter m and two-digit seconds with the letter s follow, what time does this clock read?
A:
11h25
